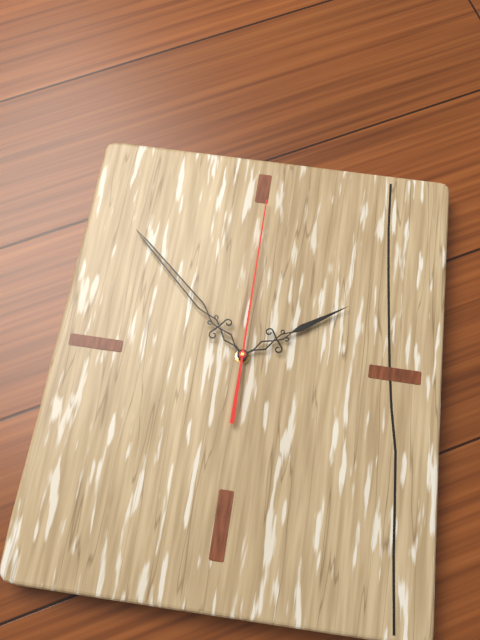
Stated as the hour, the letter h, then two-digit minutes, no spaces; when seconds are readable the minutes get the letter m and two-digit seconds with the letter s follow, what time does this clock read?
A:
1h52m00s
